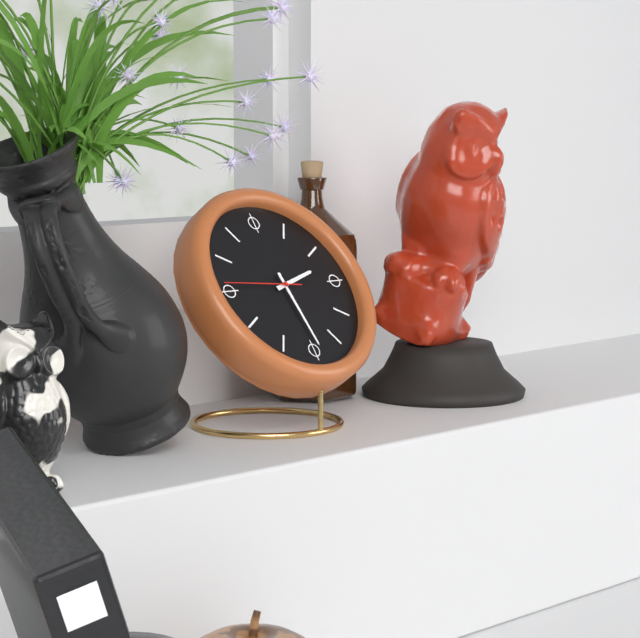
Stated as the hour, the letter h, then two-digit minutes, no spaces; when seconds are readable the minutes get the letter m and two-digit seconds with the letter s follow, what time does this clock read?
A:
2h29m46s
